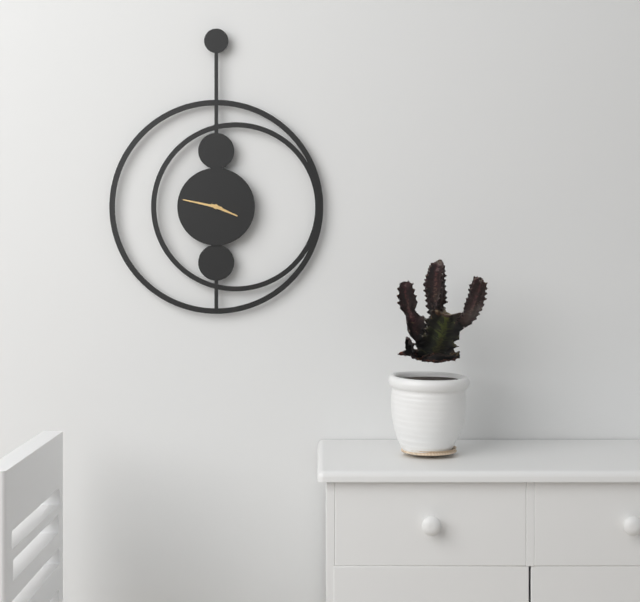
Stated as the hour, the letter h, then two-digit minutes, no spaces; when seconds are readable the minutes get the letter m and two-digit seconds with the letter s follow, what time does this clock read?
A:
3h47
